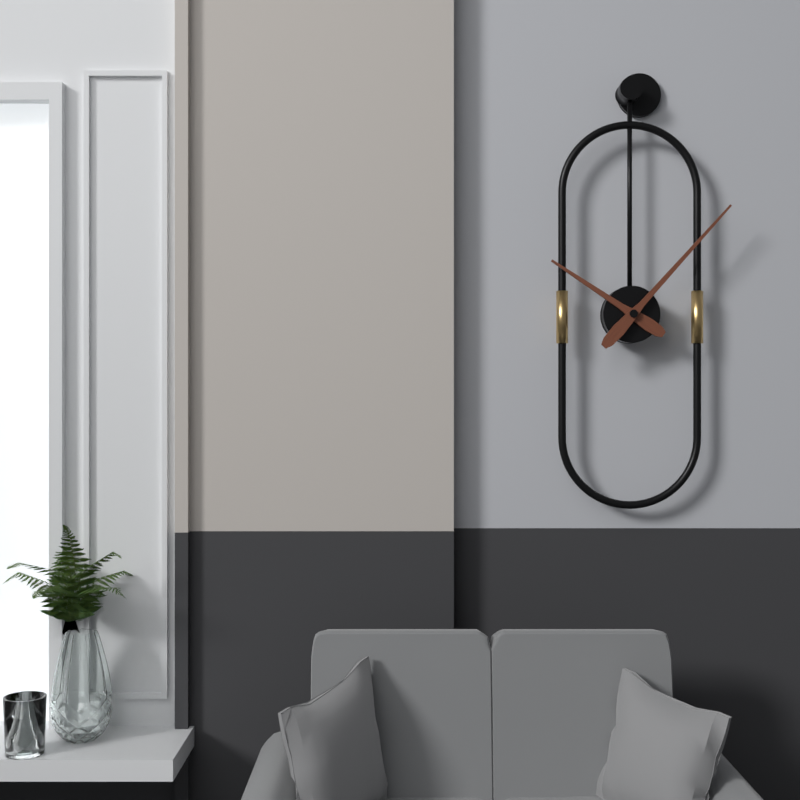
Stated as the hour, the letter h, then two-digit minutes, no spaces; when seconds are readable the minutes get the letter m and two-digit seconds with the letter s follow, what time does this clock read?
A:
10h07
